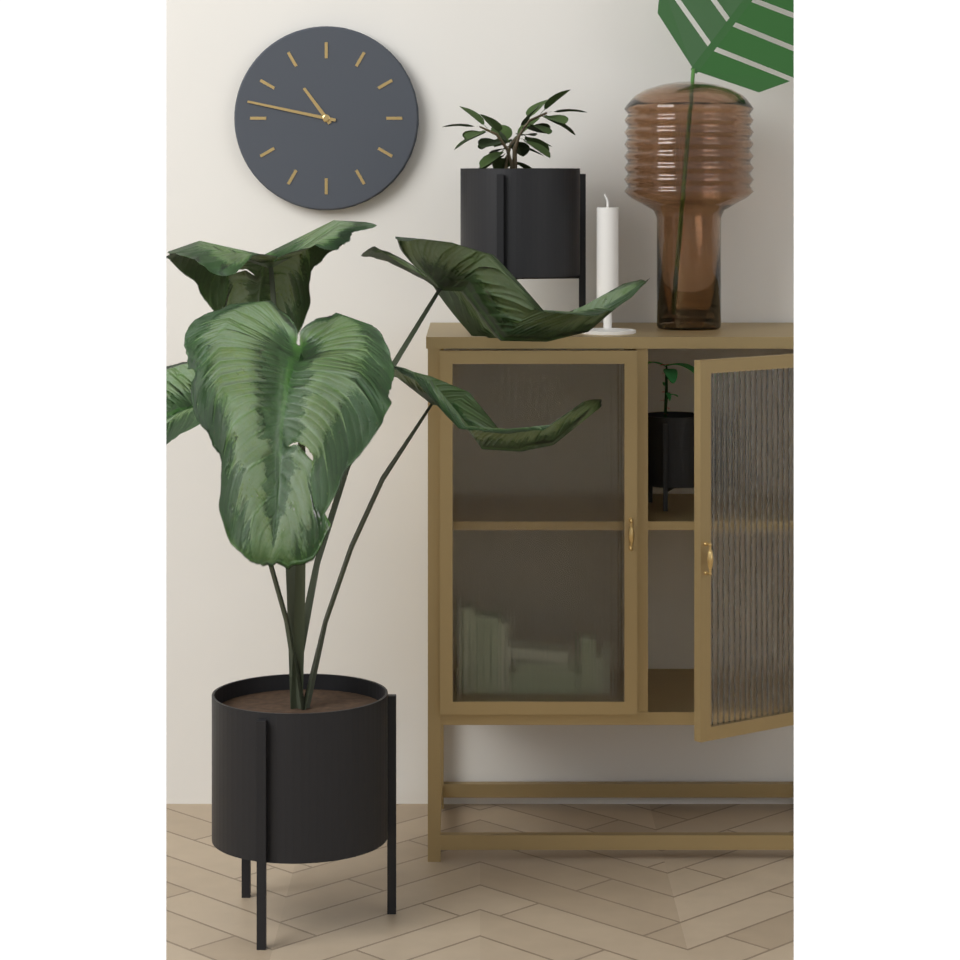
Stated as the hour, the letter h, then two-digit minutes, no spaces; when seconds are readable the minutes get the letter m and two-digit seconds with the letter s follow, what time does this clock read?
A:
10h47
